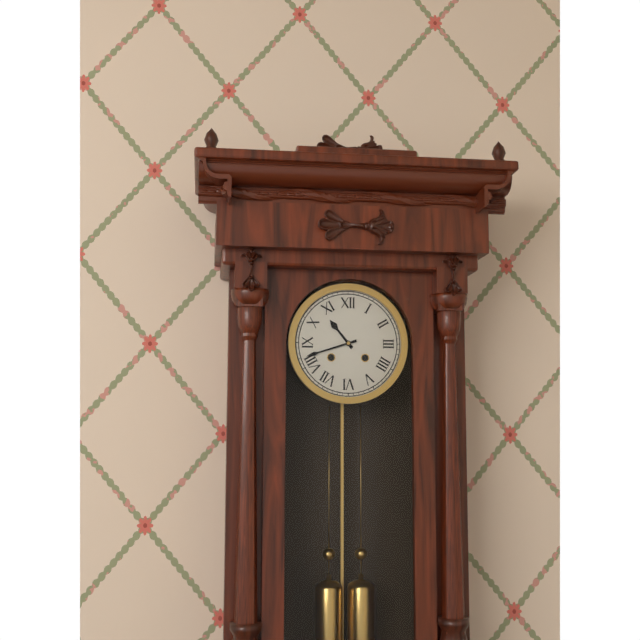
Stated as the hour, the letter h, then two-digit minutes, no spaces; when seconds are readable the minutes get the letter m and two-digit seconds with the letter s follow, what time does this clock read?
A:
10h42
